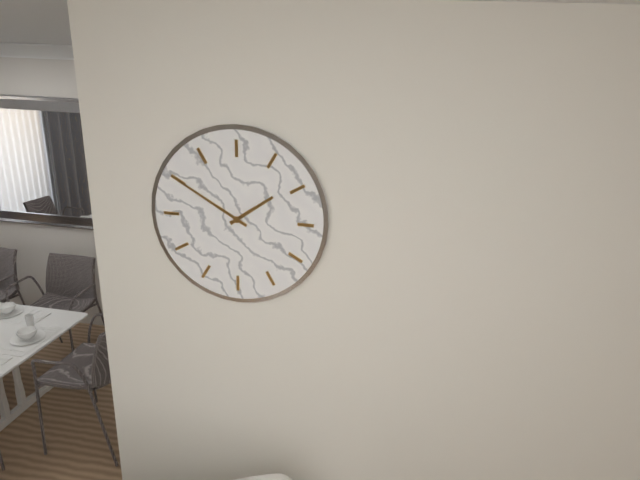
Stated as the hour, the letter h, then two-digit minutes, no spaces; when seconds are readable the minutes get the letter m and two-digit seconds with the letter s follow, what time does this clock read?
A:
1h50
